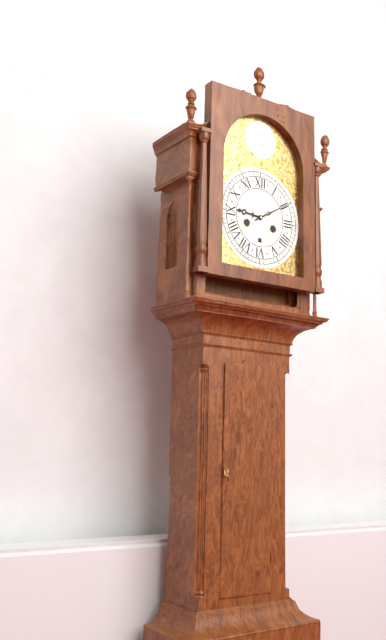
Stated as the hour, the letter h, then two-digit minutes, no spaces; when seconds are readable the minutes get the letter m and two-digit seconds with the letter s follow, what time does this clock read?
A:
9h10
